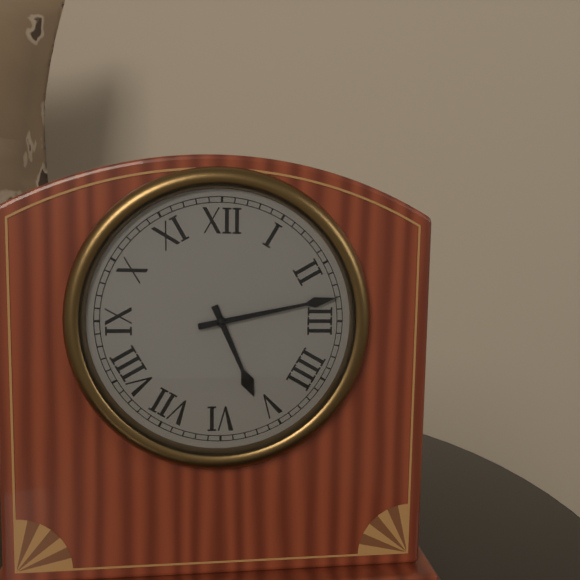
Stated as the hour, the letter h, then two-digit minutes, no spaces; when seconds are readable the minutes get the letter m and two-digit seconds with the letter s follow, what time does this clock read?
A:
5h13
